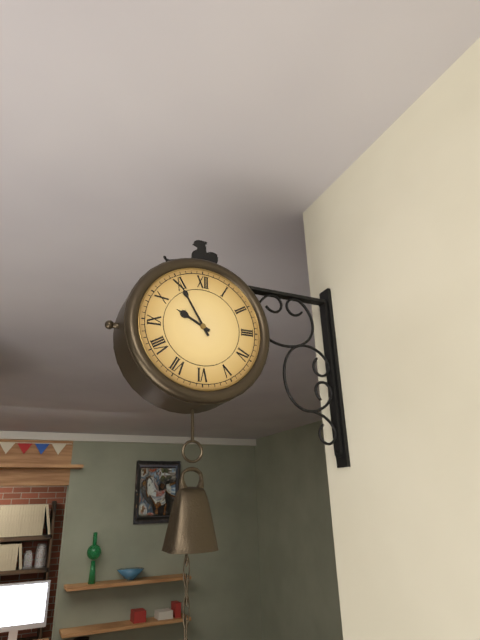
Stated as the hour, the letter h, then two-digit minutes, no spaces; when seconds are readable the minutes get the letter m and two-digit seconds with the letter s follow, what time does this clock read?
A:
9h55
